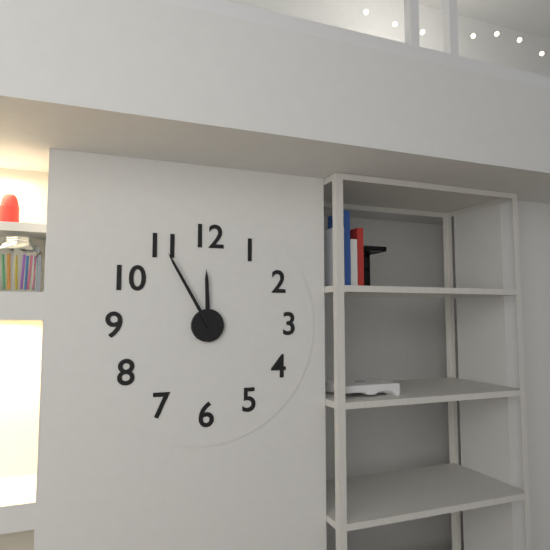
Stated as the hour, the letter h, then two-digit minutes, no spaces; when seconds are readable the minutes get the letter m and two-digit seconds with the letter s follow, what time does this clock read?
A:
11h55
